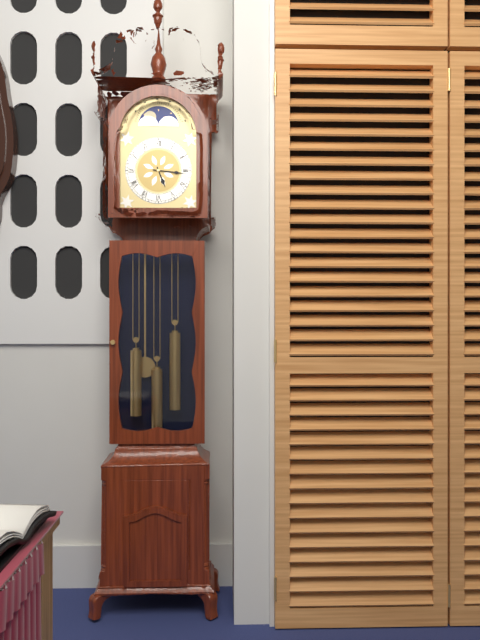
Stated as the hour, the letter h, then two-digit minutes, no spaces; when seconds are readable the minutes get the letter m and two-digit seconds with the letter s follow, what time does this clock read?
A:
5h16
